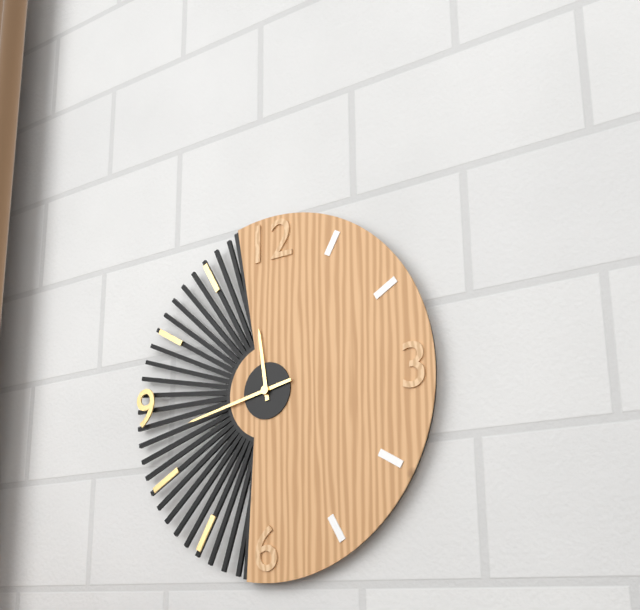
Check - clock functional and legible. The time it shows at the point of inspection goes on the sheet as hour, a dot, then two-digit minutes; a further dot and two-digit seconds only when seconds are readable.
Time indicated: 11.43
